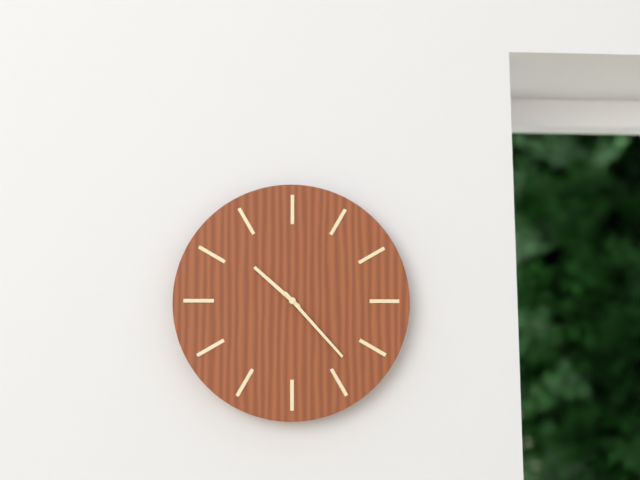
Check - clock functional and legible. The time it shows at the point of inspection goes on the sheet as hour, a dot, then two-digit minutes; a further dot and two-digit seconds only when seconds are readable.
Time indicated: 10.23
